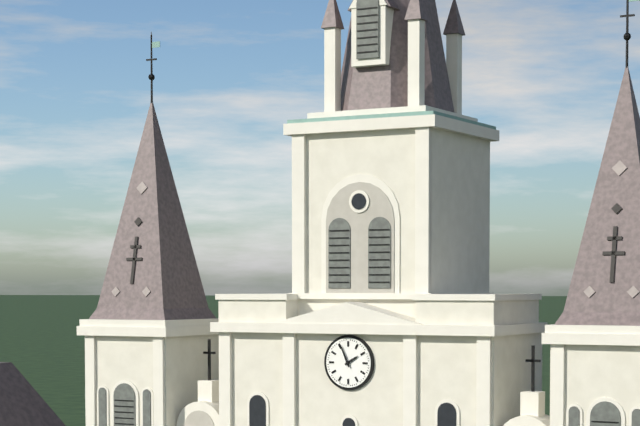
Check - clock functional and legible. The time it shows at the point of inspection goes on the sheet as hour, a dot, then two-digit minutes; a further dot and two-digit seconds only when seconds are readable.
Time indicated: 1.56
